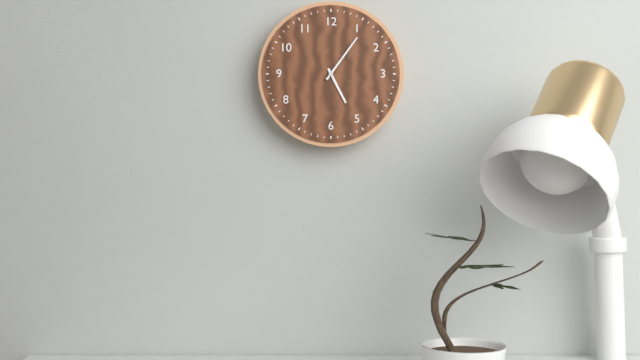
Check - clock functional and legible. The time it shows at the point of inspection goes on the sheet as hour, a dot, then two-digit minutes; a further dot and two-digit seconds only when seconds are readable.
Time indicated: 5.06
